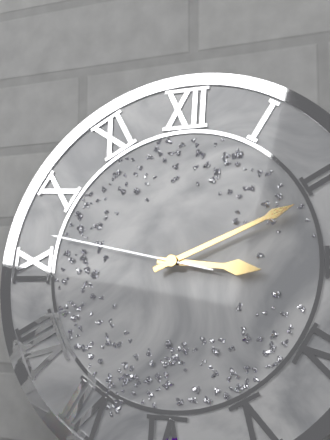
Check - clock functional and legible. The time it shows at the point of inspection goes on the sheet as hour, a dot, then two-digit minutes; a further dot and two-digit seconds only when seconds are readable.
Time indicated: 3.11.47
